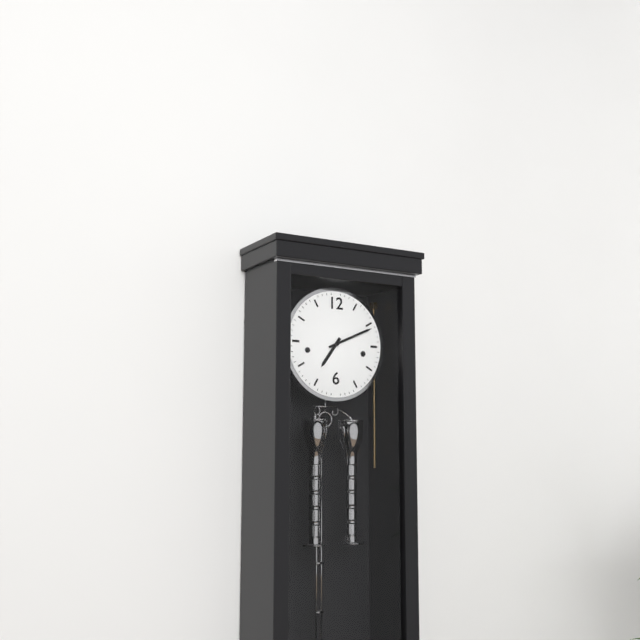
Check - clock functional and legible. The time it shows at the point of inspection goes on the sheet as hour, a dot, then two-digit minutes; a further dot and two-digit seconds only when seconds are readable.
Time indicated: 7.11
